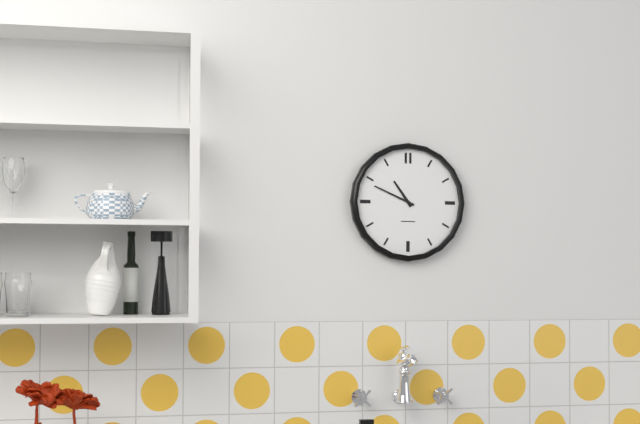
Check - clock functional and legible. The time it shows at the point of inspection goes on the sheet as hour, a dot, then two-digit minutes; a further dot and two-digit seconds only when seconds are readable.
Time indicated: 10.49
